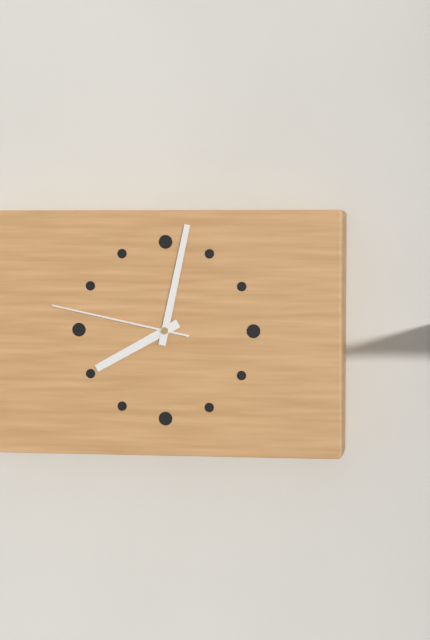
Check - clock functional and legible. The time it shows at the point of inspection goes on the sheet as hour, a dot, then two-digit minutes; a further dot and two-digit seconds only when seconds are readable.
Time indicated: 8.02.47
